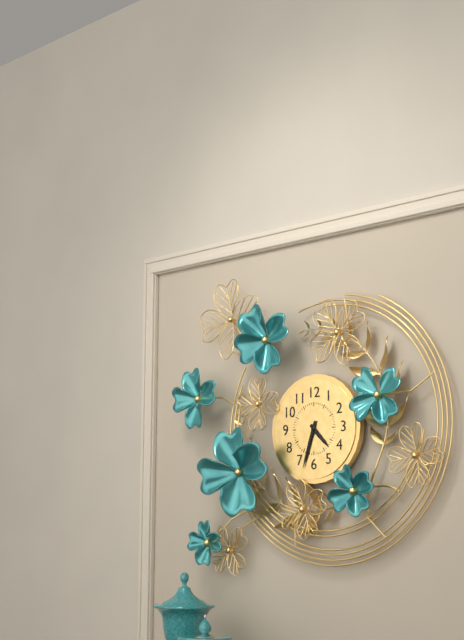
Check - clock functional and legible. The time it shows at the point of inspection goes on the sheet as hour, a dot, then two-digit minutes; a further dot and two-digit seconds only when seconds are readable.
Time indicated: 4.33
